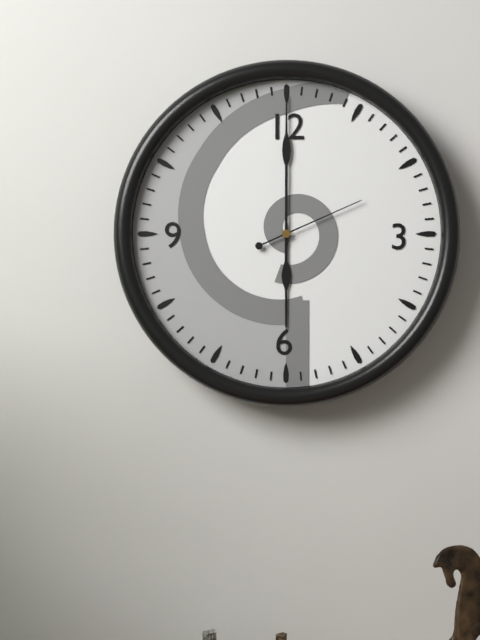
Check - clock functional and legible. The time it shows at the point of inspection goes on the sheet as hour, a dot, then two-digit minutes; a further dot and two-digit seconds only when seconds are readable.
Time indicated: 6.00.11
